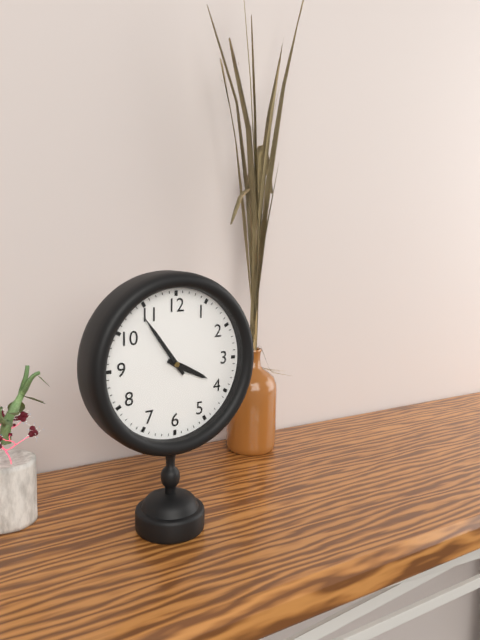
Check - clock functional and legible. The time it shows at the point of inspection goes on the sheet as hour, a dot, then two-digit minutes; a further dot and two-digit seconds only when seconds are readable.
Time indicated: 3.54
